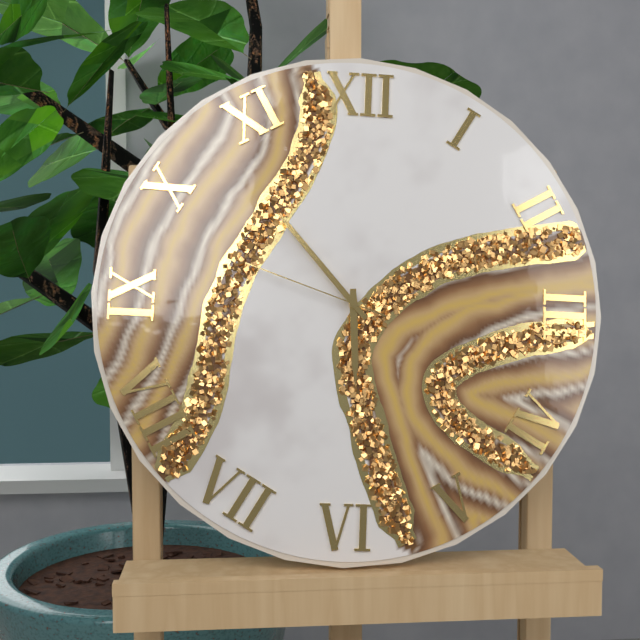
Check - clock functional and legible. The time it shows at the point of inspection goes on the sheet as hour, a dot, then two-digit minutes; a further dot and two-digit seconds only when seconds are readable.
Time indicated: 5.53.48
